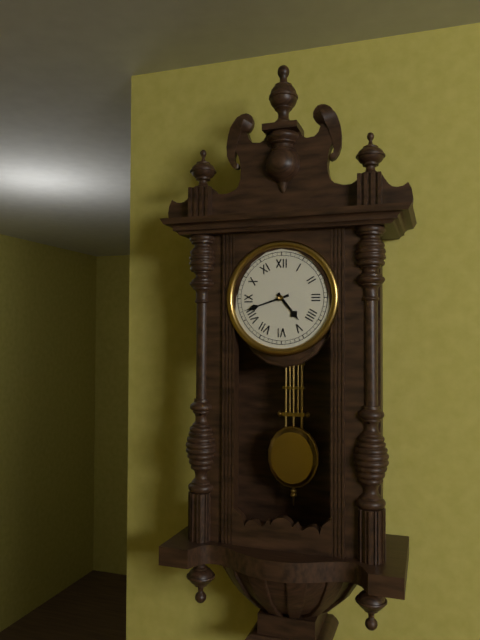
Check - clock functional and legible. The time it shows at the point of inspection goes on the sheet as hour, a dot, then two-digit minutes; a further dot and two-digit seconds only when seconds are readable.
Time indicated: 4.42
